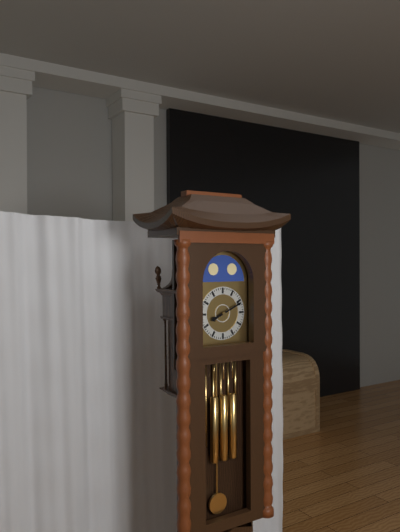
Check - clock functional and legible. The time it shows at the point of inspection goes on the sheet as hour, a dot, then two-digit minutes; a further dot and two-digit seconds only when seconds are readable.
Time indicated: 8.11
